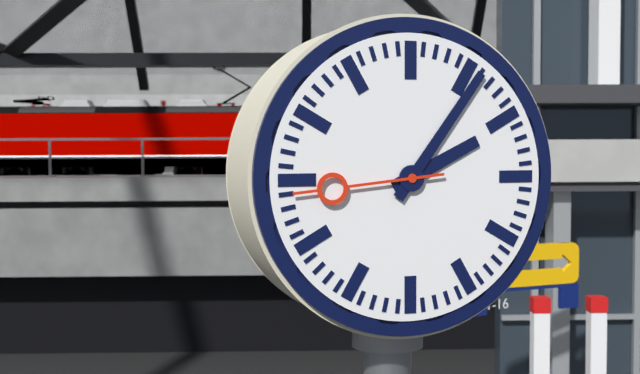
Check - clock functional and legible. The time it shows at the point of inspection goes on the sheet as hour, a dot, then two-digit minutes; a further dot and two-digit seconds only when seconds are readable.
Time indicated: 2.06.44
